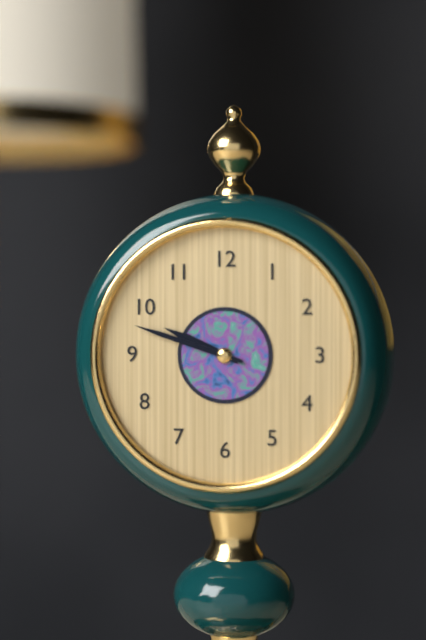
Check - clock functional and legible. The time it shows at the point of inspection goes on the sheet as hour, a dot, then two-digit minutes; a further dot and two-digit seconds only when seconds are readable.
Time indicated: 9.48
